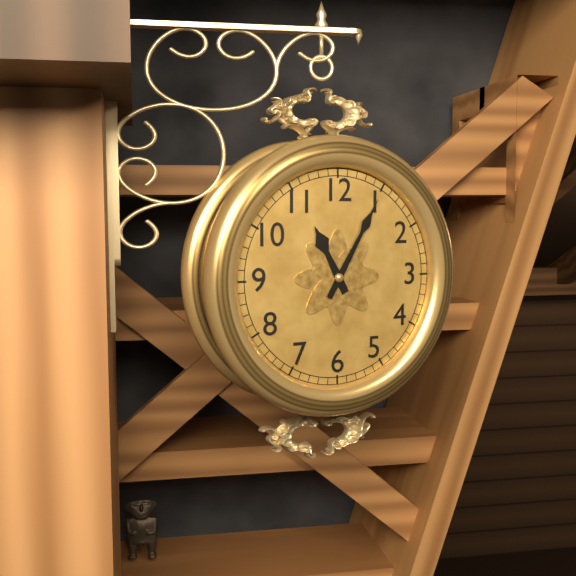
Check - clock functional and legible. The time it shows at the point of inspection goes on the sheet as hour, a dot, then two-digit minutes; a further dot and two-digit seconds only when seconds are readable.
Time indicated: 11.05
